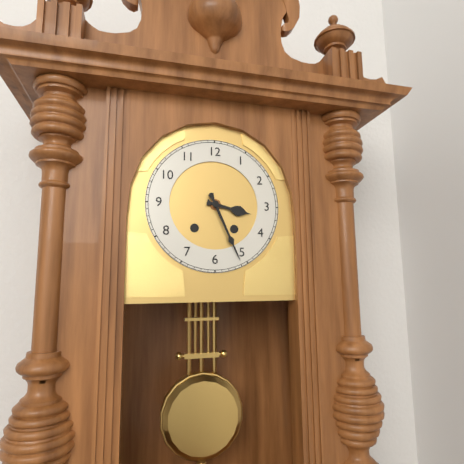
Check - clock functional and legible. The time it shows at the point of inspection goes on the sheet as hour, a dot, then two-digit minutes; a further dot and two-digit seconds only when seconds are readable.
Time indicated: 3.26
